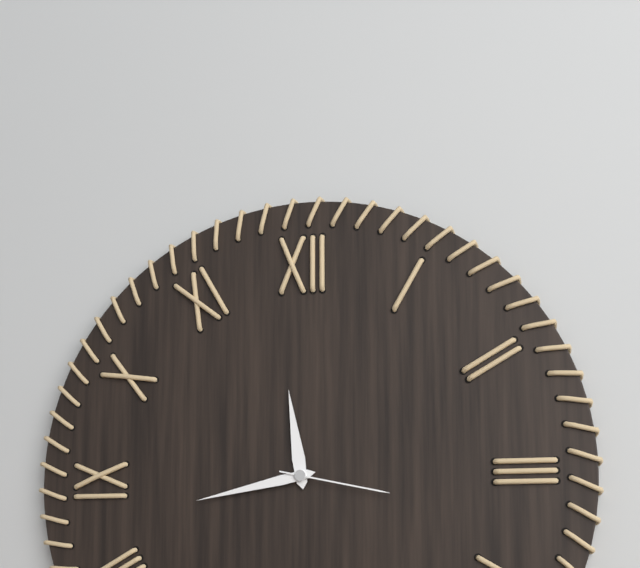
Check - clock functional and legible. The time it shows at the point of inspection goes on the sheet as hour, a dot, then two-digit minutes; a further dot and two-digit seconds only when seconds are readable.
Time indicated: 11.43.17
